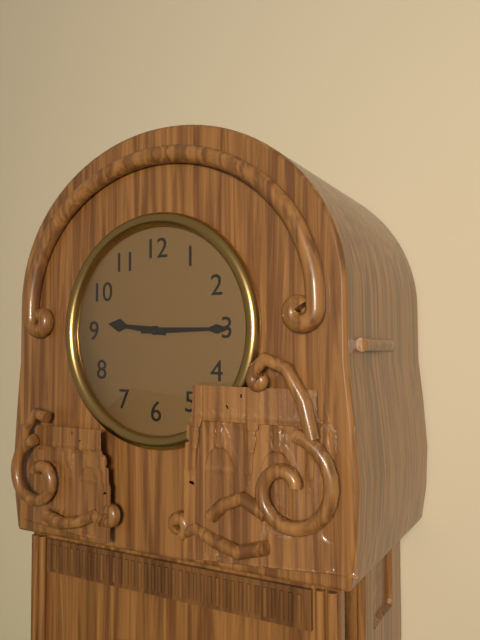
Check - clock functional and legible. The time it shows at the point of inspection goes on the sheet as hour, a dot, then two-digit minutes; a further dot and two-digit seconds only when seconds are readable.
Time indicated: 9.15
